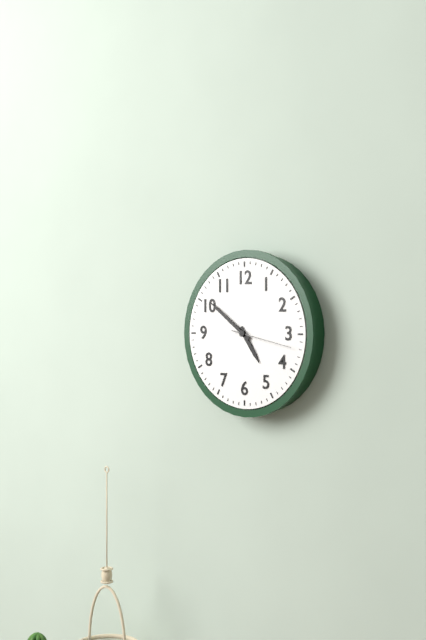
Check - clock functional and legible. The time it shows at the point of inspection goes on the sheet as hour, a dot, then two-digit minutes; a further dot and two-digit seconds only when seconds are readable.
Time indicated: 4.51.17
